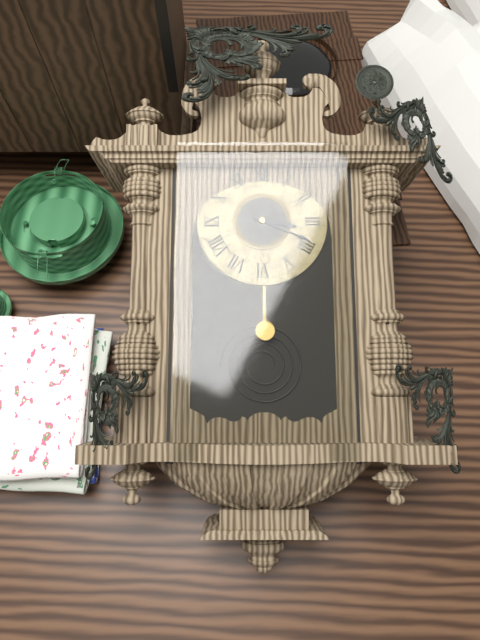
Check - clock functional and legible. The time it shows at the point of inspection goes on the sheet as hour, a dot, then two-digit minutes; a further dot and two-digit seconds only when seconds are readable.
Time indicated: 3.19
